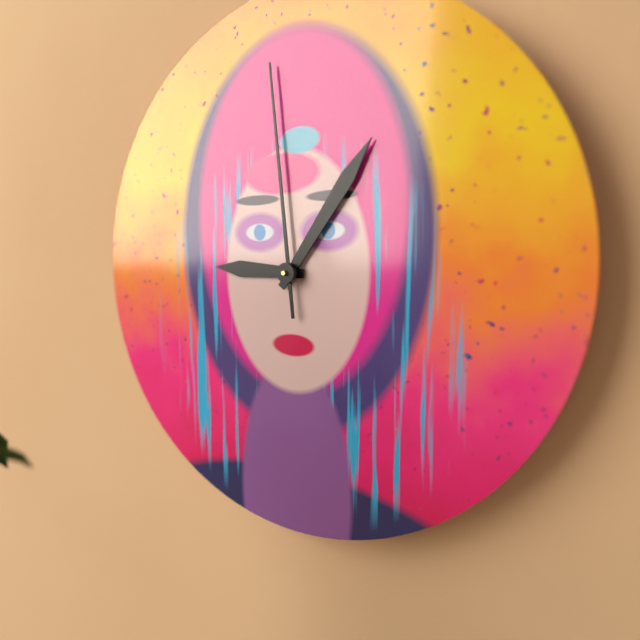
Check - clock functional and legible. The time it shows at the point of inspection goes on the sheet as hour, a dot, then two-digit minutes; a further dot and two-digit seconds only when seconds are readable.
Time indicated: 9.06.59
